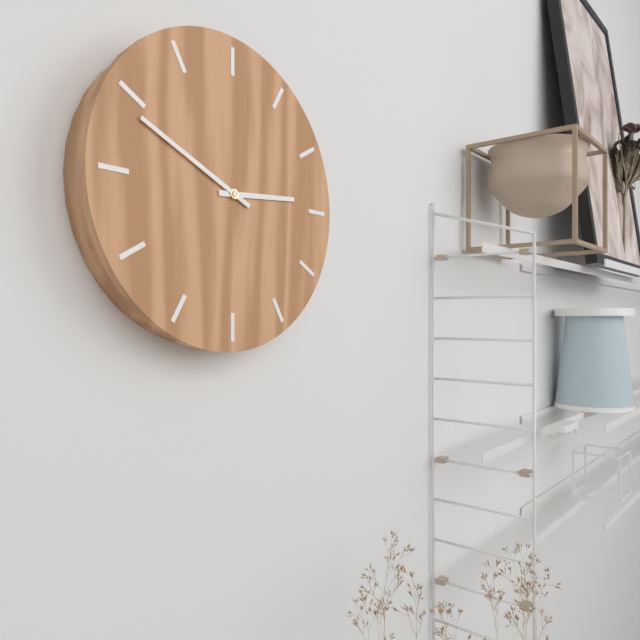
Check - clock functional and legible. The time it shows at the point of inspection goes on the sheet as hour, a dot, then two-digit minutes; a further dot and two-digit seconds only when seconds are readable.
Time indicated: 2.49
